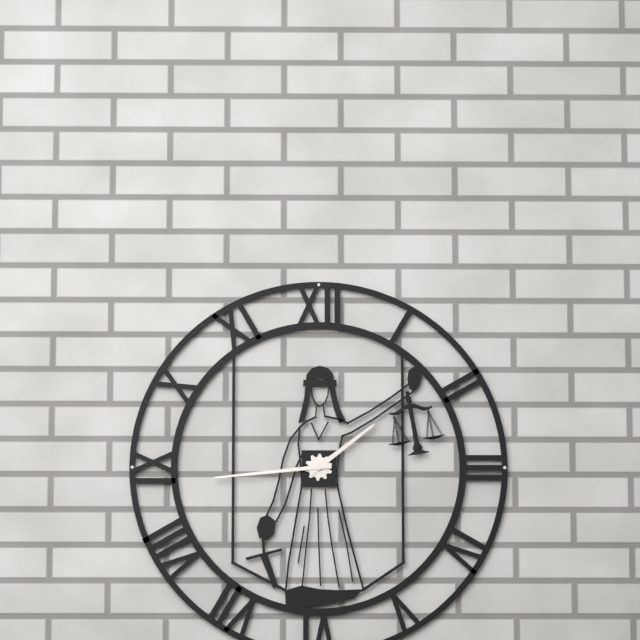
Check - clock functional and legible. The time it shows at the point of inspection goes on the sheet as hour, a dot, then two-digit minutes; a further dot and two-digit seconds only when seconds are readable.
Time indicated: 1.44
